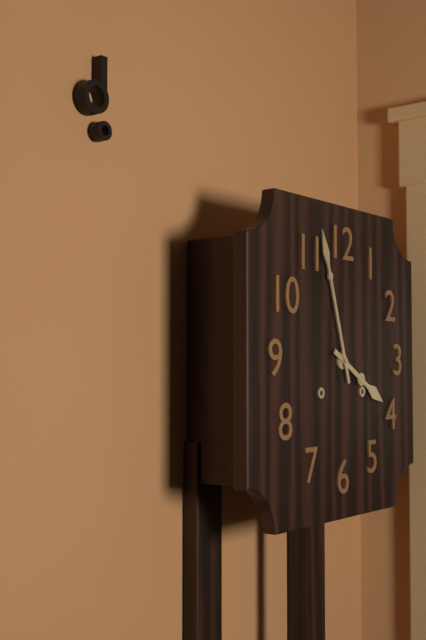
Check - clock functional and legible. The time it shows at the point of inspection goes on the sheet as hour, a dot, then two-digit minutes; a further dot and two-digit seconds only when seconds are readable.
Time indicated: 3.57
